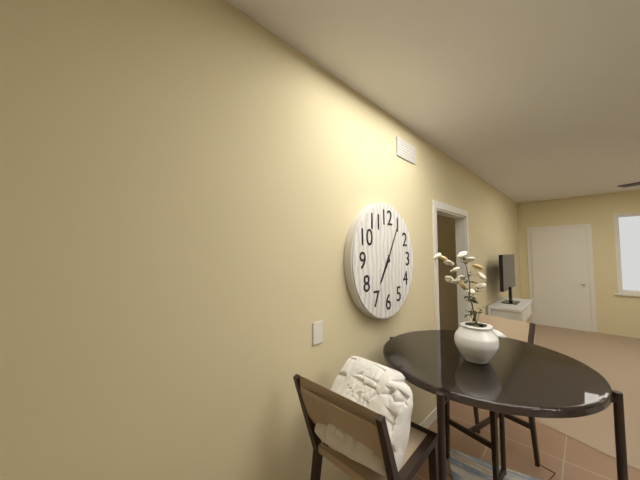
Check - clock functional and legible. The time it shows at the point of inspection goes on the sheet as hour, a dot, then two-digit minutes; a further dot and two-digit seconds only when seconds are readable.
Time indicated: 7.05
